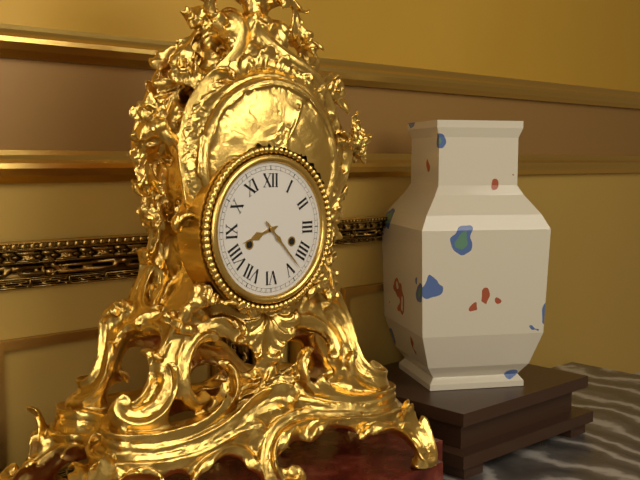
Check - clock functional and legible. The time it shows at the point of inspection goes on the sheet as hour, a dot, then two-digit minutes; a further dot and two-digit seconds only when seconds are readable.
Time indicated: 8.23
